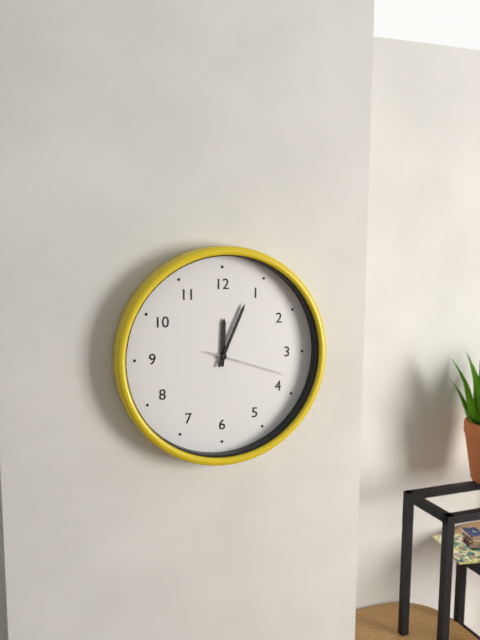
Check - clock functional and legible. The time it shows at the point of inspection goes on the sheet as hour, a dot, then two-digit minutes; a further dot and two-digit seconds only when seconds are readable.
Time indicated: 12.04.18
